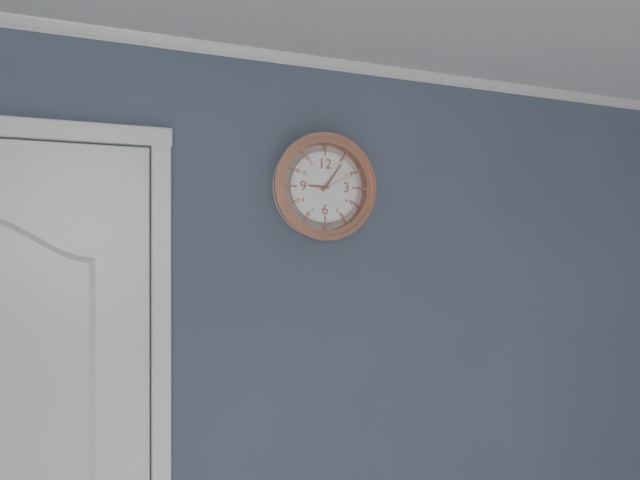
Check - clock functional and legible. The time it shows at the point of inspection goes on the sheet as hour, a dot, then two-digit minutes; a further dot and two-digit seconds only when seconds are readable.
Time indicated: 9.06
